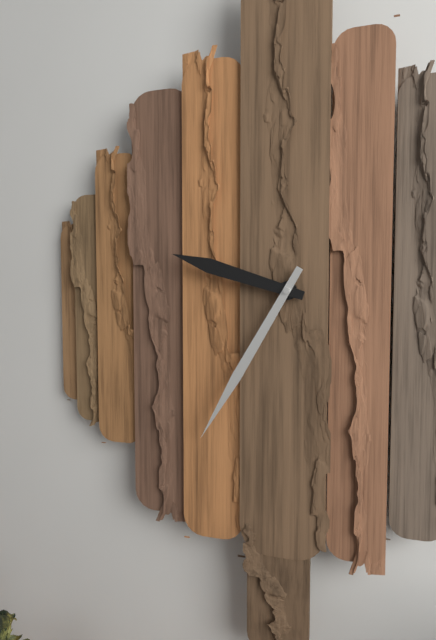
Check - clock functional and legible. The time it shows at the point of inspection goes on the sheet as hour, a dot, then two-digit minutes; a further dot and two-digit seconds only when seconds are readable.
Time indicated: 9.35
